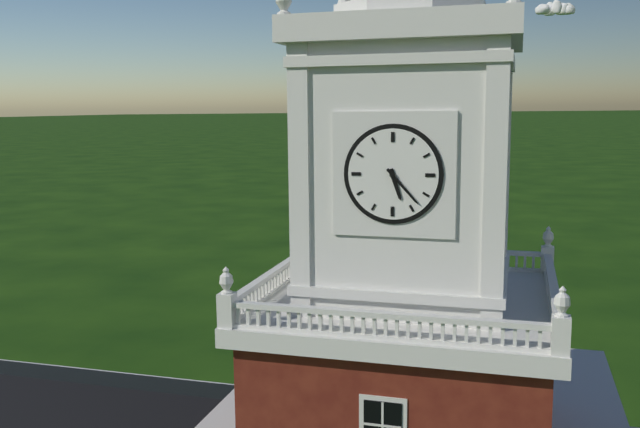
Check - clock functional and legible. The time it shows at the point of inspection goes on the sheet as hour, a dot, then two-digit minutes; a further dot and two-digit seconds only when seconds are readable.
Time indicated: 5.23
